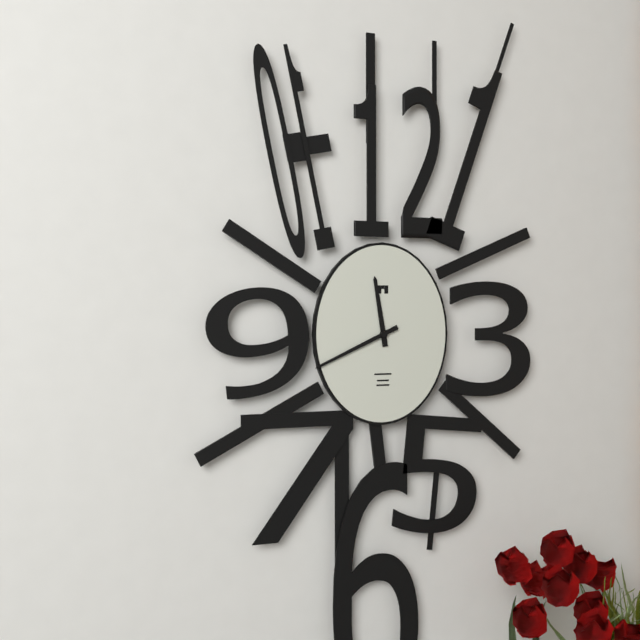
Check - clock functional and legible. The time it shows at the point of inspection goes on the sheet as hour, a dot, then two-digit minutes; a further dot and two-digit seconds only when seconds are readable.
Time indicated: 11.41
